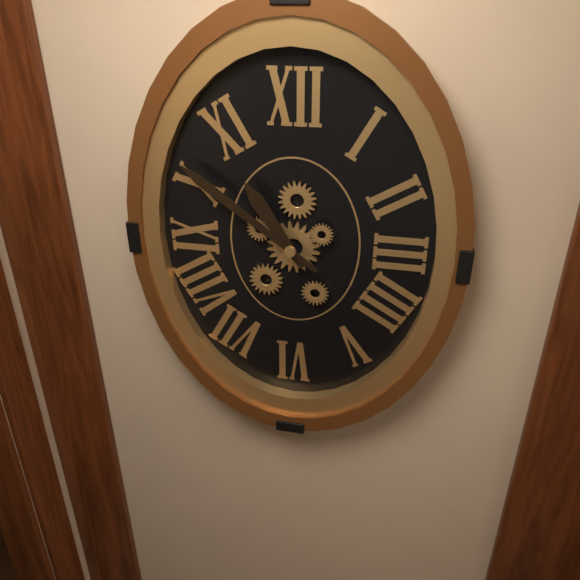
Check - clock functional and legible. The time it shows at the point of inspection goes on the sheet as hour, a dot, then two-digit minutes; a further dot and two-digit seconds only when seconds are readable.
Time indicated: 10.51
